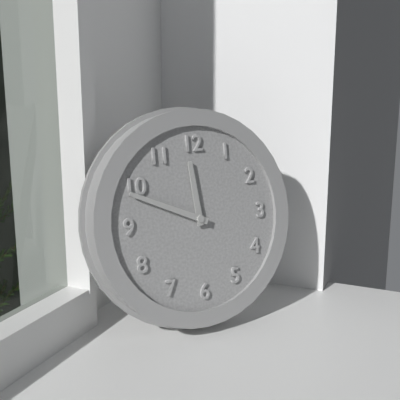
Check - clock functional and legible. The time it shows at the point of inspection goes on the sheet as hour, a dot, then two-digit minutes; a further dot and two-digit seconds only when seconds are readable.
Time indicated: 11.49
